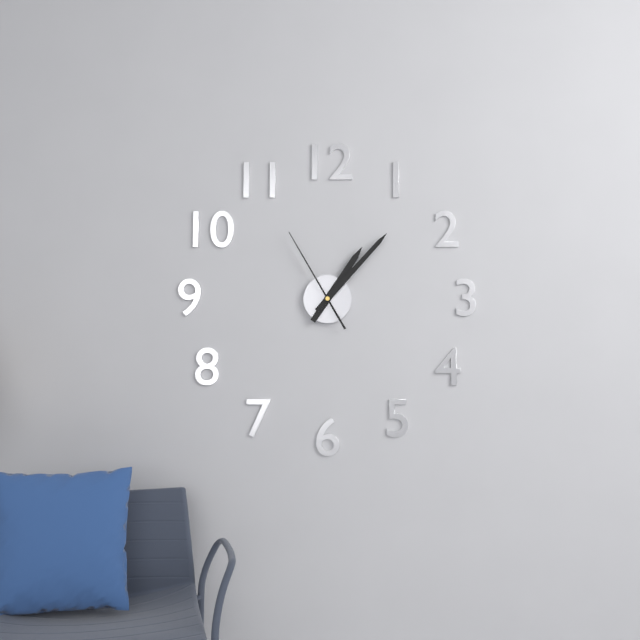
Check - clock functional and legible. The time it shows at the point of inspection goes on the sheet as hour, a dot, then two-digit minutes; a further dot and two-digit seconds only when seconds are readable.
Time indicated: 1.07.55
